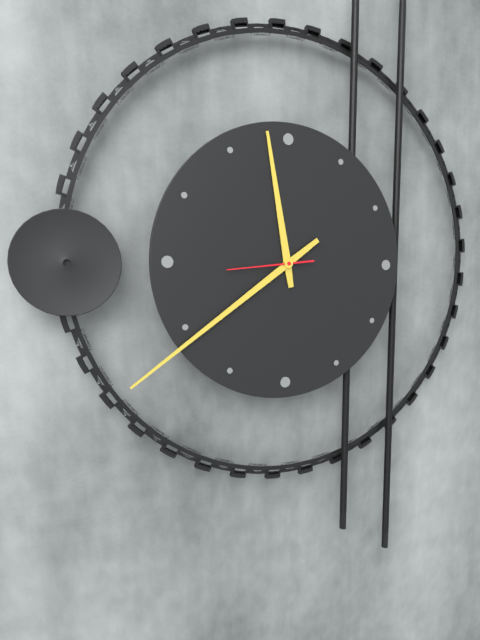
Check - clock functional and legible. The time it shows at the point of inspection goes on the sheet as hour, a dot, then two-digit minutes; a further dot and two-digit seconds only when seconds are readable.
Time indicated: 11.39.44
